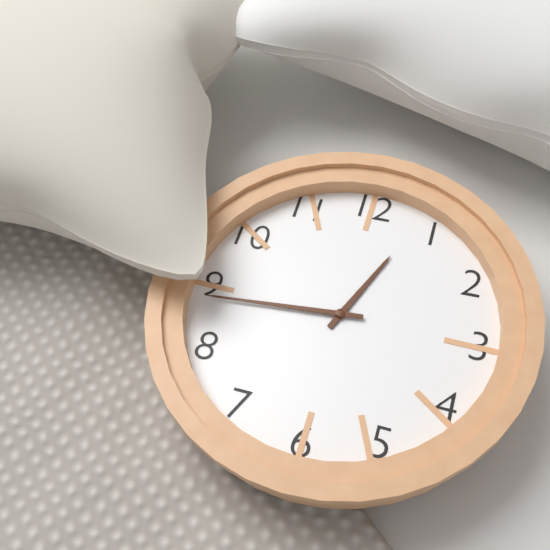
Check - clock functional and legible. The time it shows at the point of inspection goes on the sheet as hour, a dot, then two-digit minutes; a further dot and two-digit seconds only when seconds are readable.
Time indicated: 12.44
